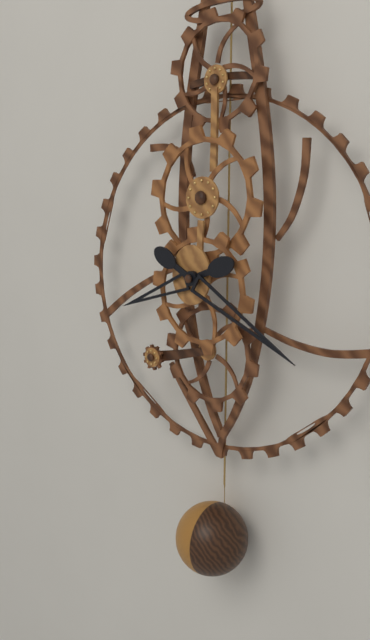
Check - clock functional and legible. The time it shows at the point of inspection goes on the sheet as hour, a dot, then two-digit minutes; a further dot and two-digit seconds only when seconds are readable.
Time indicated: 8.20
